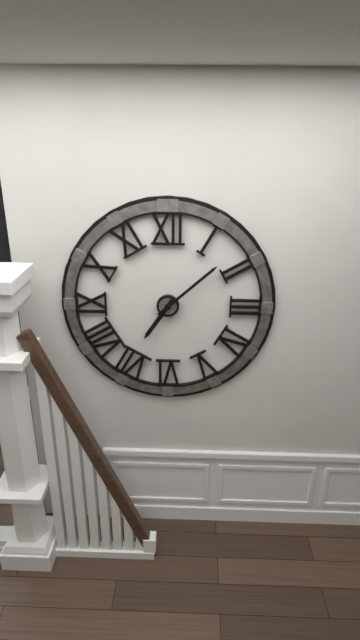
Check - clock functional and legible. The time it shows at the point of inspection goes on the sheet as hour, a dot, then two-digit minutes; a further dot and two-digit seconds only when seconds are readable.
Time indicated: 7.08
